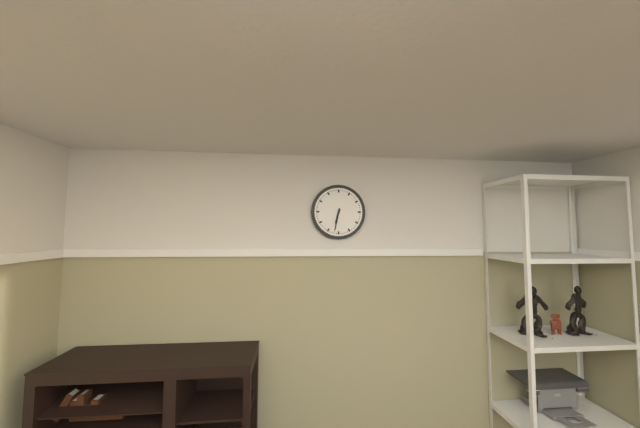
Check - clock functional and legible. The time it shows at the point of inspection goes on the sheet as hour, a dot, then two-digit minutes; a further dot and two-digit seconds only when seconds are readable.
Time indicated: 6.32
